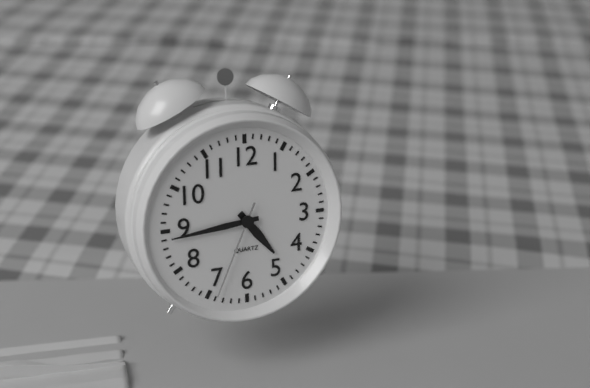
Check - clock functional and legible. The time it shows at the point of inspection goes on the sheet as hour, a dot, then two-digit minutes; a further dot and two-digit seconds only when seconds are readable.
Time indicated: 4.44.34
